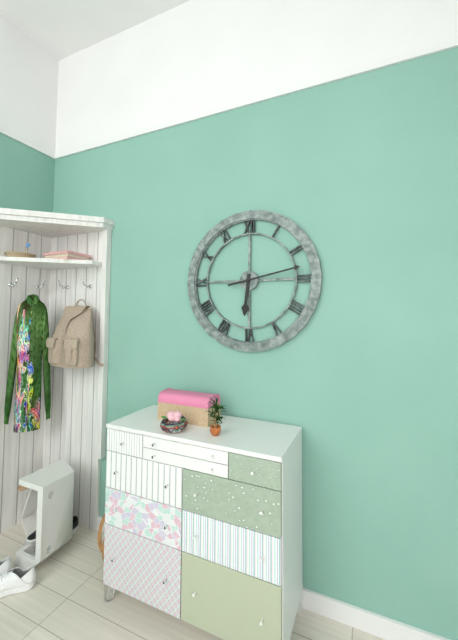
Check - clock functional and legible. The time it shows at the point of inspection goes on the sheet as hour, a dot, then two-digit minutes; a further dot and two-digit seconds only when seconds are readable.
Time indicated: 6.13
